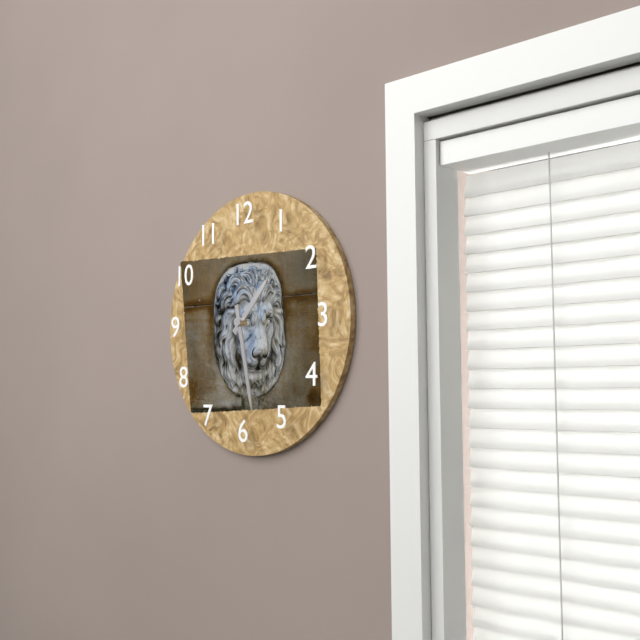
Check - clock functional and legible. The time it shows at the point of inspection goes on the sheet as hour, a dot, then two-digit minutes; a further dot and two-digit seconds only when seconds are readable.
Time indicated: 1.28
